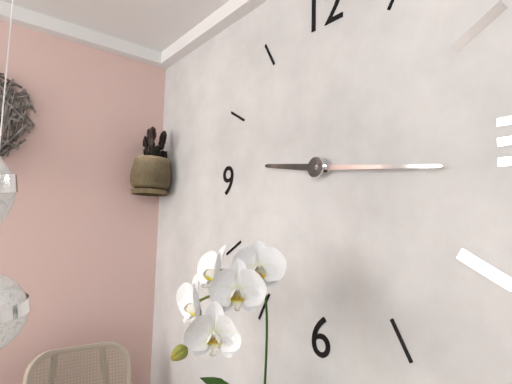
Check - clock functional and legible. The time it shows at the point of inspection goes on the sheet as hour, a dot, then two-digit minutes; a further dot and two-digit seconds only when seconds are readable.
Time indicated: 9.16
